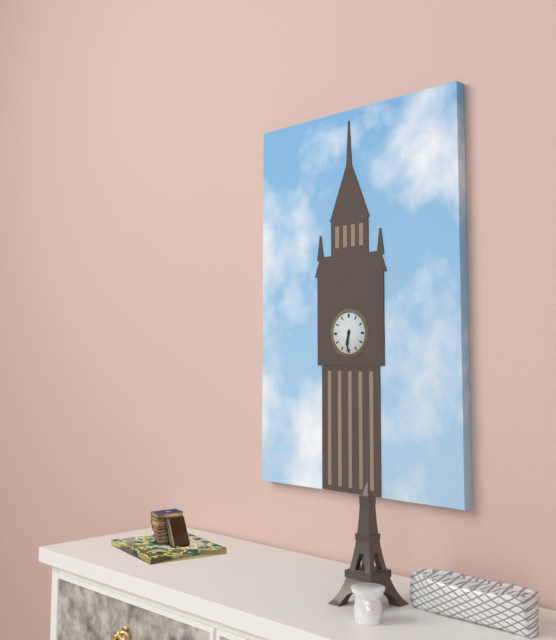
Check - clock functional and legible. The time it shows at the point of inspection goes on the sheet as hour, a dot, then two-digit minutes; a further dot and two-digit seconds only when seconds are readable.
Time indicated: 6.31
